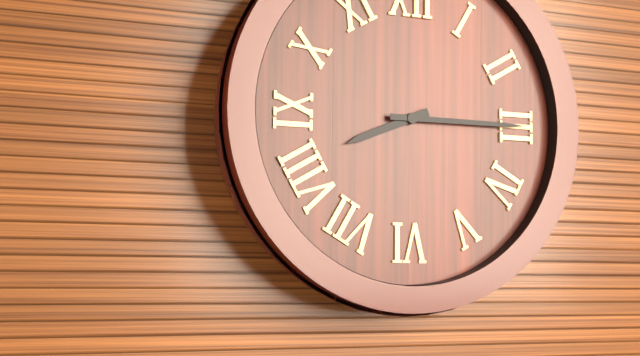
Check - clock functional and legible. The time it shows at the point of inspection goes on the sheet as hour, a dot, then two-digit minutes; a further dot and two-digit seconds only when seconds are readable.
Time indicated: 8.15
